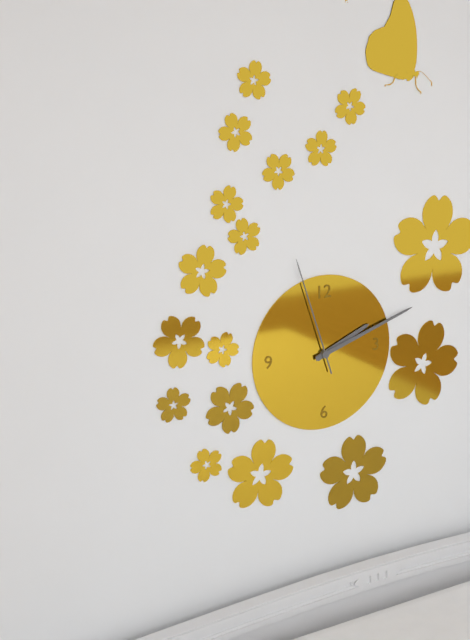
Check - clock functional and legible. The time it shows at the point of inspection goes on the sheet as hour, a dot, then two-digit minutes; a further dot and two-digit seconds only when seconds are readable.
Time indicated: 2.12.57
